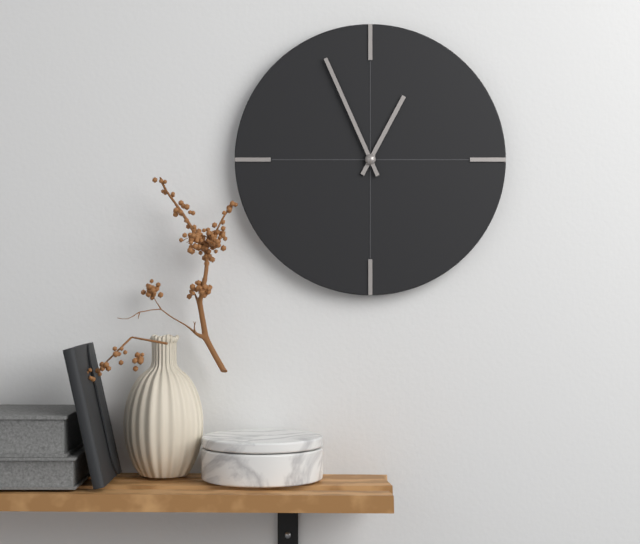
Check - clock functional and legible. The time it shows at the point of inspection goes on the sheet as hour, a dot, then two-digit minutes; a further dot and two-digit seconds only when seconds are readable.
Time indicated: 12.56
